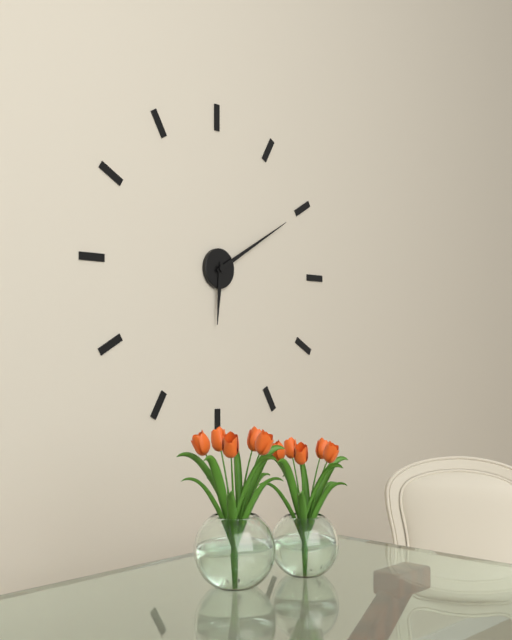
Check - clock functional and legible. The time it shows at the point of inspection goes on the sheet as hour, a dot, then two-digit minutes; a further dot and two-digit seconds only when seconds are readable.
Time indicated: 6.10
